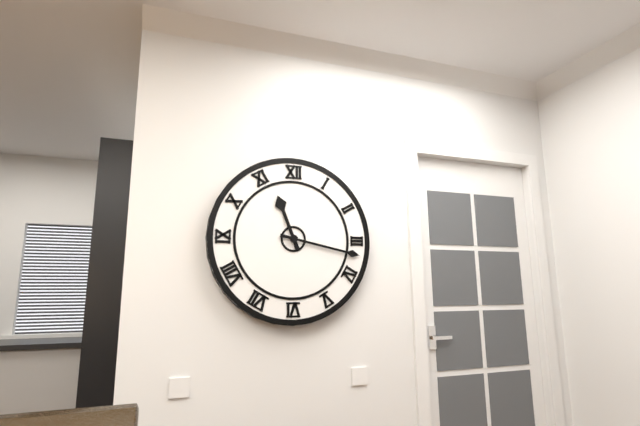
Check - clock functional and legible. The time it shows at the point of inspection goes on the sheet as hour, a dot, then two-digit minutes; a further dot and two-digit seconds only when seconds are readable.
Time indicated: 11.17
